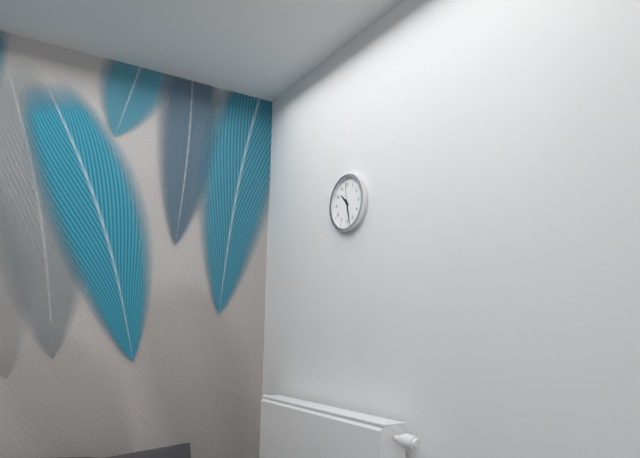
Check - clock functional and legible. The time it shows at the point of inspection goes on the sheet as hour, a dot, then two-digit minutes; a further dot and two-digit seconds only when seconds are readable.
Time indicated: 10.28
